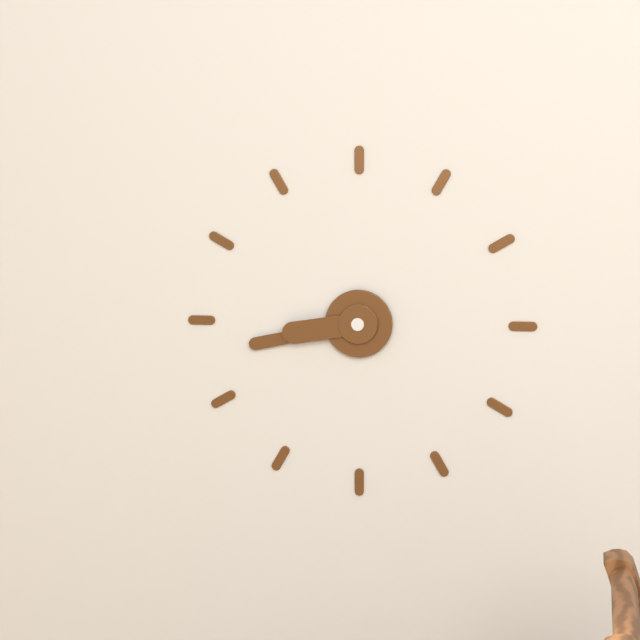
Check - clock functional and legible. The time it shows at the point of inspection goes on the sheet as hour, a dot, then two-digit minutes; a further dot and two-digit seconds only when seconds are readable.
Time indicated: 8.43
